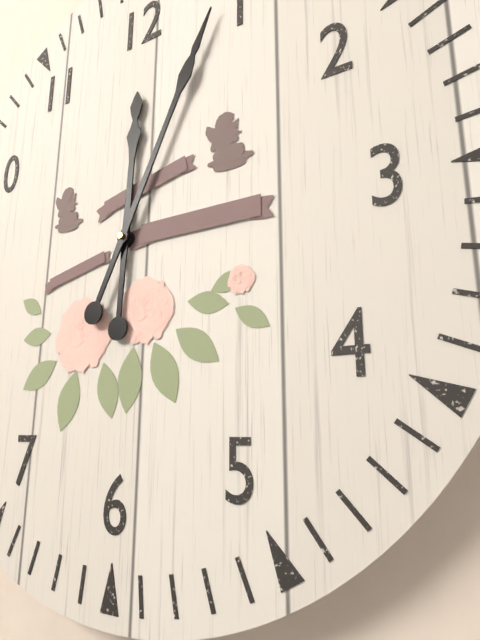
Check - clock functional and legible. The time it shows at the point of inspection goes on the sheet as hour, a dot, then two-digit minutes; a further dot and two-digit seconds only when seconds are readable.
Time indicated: 12.04
